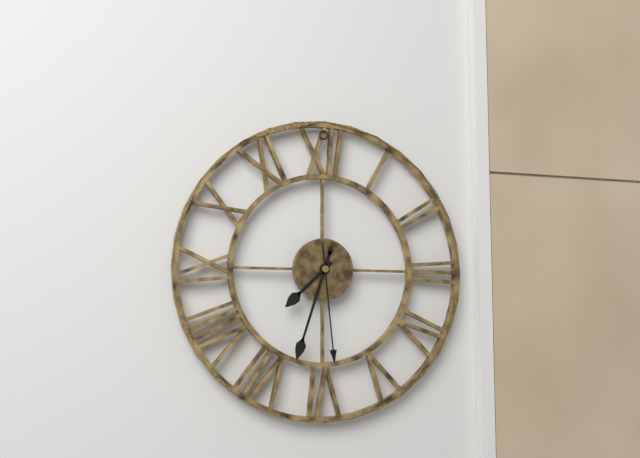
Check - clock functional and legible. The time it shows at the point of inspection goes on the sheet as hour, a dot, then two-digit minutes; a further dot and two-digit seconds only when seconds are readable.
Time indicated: 7.33.29
